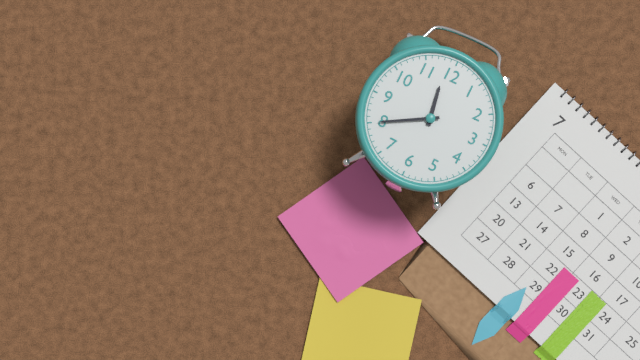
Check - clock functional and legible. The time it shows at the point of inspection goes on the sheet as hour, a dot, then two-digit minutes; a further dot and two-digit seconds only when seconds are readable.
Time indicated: 11.40
